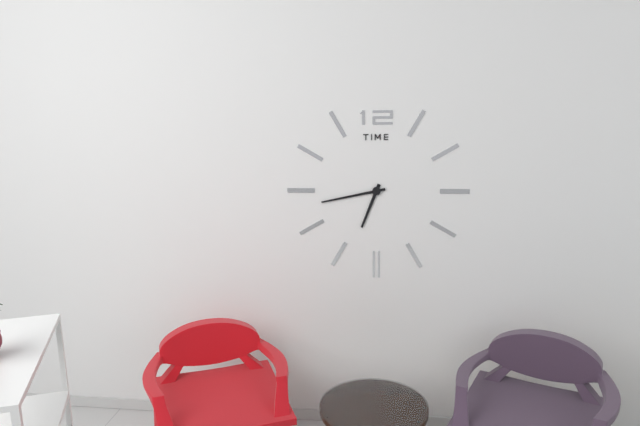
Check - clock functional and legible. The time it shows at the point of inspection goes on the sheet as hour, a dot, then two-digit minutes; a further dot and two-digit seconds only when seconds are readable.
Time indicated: 6.43
